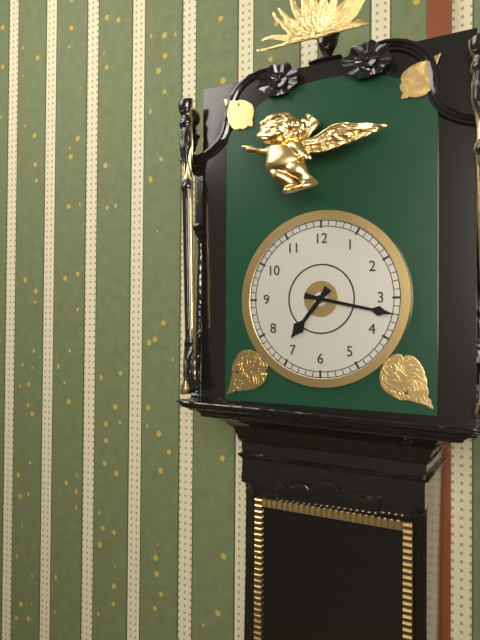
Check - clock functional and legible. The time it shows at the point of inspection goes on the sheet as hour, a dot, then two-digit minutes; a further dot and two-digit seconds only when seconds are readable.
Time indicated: 7.17
